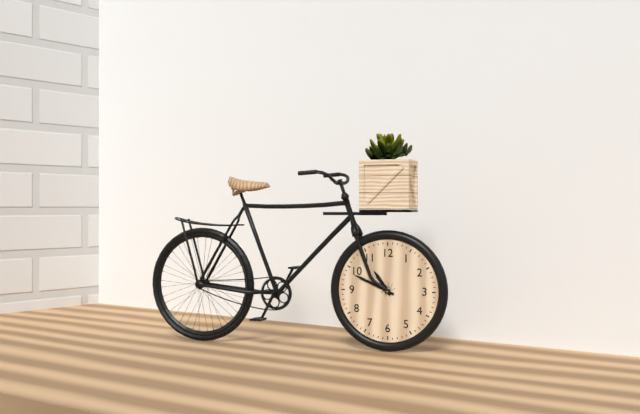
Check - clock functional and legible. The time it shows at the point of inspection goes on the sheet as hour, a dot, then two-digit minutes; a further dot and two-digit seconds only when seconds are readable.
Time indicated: 10.49
